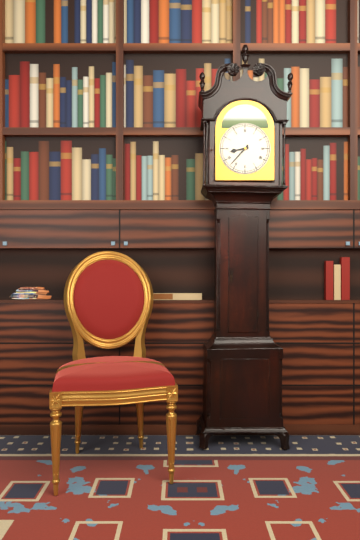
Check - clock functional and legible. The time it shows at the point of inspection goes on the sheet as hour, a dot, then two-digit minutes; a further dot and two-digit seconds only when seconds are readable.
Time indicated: 8.37
